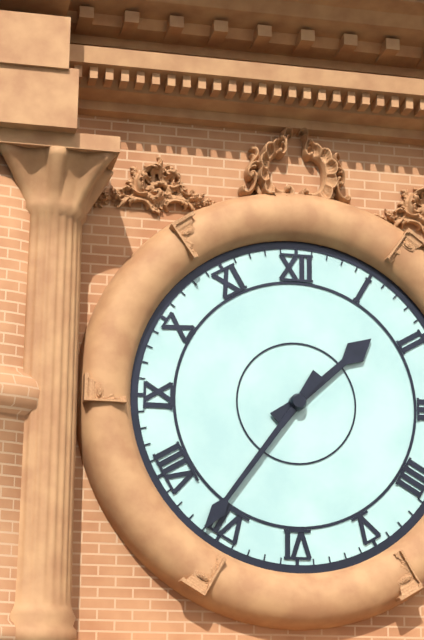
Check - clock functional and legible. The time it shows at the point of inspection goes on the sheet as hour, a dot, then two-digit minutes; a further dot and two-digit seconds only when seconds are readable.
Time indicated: 1.36
